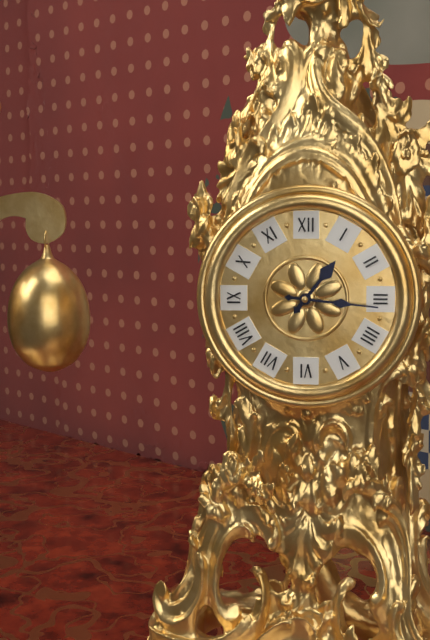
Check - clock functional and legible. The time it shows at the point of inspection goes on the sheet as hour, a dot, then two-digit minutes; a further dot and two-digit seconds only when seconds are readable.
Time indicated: 1.16
